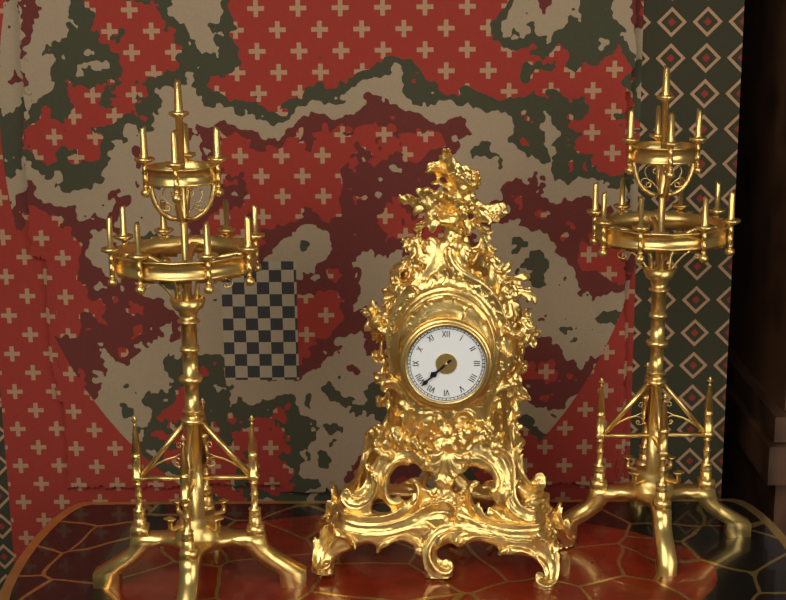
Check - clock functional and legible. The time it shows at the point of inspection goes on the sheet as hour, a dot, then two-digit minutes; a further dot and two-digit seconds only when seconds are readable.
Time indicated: 7.38
